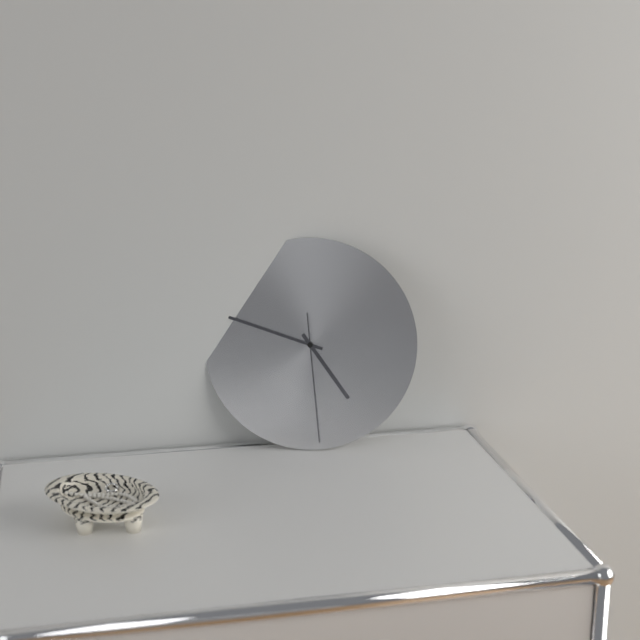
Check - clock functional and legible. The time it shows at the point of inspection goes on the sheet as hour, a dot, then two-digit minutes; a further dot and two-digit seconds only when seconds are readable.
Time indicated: 4.48.29
